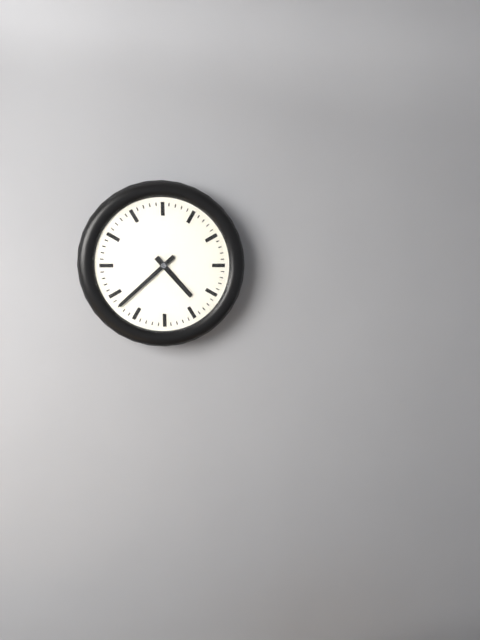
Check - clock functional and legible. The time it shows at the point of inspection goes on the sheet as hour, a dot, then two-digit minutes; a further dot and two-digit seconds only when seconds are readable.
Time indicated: 4.38
